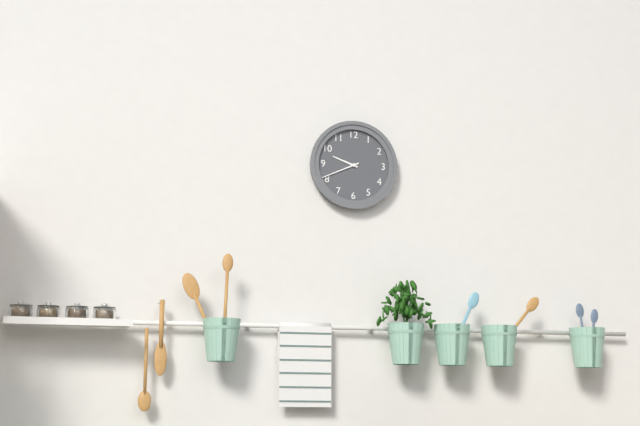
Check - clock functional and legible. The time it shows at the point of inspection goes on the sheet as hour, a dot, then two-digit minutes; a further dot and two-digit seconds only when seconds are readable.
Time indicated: 9.41
